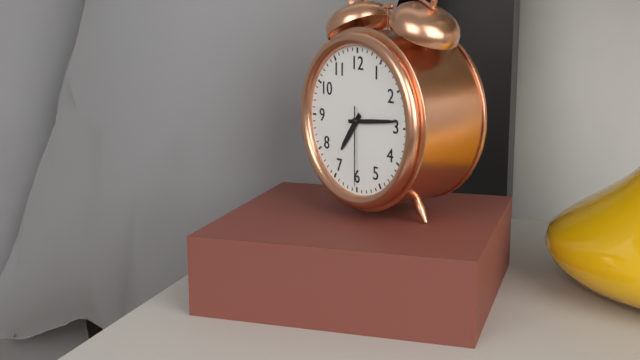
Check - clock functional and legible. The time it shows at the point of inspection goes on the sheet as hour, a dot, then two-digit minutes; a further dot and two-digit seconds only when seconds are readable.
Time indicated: 7.14.30
